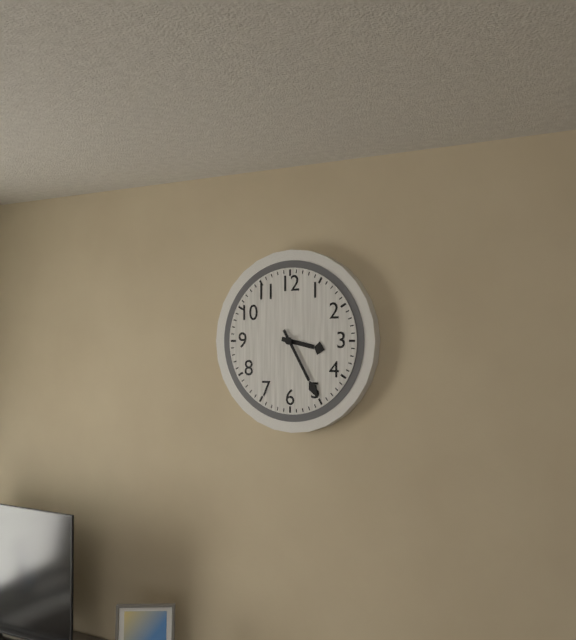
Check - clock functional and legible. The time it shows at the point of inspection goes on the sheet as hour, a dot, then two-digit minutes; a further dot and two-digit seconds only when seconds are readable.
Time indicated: 3.25
